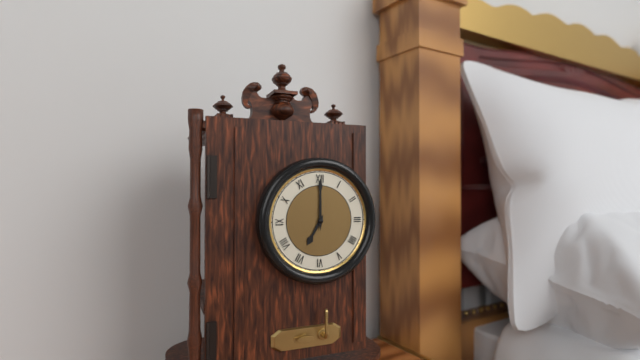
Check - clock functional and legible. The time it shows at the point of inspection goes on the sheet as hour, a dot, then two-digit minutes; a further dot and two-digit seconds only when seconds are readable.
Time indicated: 7.00
